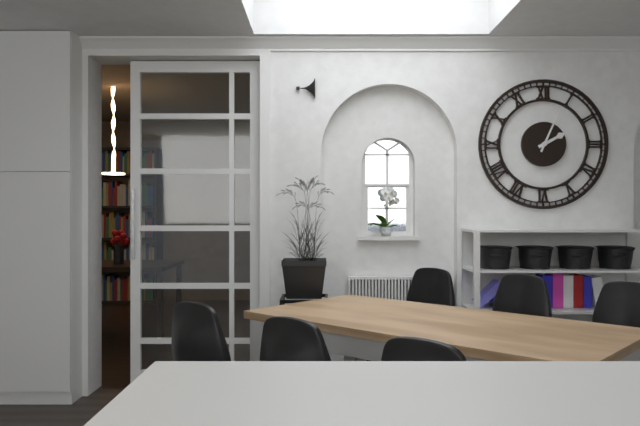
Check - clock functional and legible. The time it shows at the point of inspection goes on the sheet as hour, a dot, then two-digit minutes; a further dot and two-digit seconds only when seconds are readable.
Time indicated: 2.04
